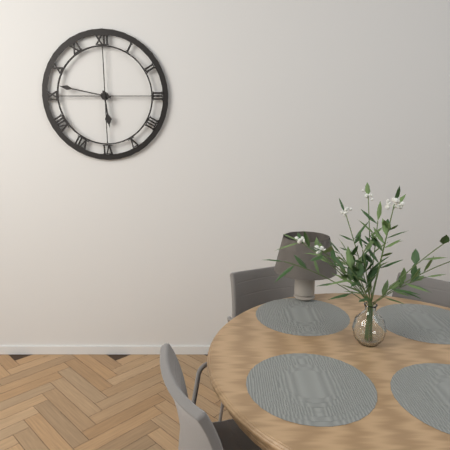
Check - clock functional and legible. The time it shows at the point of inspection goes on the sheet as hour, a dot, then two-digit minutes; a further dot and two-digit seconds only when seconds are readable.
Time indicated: 5.47
